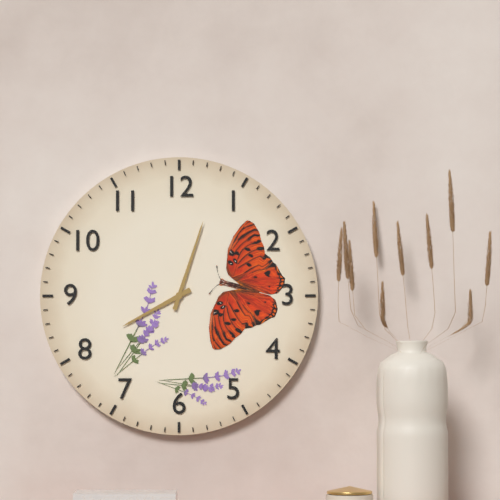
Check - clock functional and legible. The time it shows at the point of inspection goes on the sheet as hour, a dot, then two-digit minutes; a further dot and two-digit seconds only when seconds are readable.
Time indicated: 8.03
